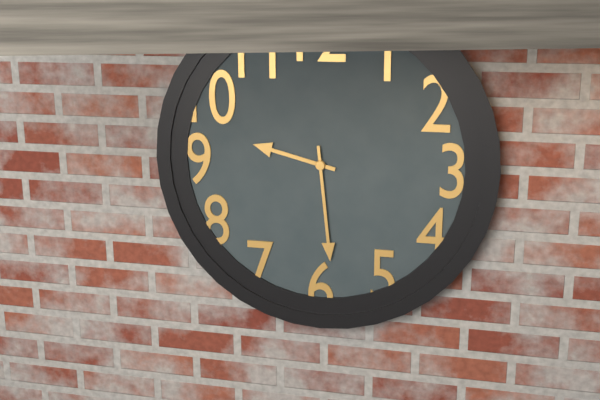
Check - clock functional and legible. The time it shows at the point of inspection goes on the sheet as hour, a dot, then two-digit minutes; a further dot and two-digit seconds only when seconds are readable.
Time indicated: 9.29
